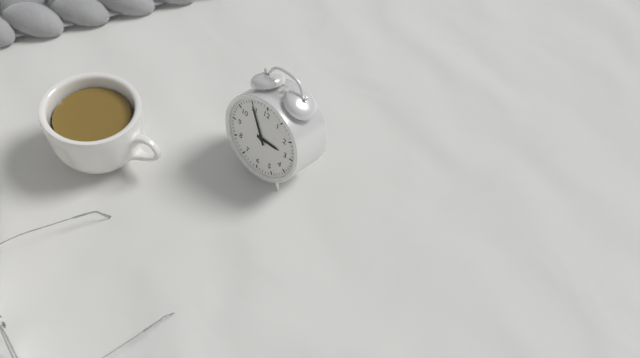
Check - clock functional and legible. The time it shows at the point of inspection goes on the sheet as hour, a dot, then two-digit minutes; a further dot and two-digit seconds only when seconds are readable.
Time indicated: 2.55
